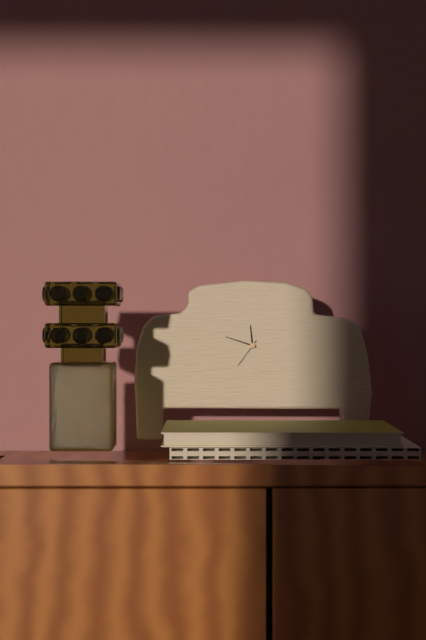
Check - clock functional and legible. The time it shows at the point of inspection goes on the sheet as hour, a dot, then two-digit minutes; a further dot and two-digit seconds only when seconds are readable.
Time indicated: 11.48
